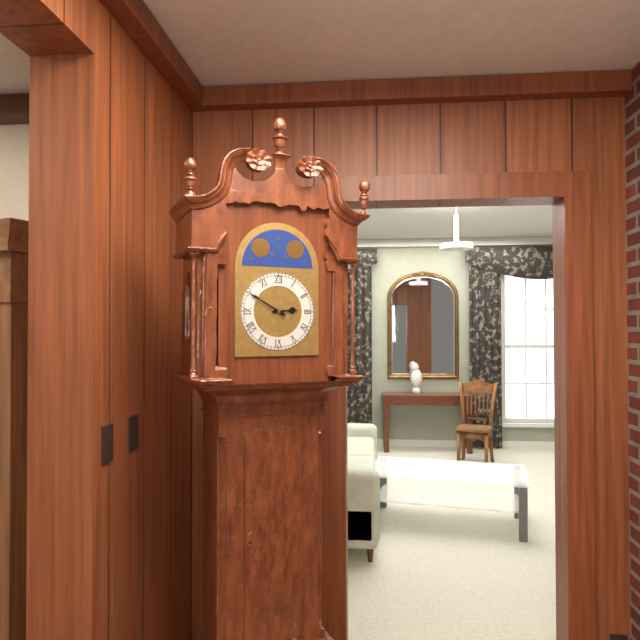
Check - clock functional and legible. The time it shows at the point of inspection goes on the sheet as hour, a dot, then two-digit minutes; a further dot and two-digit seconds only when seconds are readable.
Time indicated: 2.50
